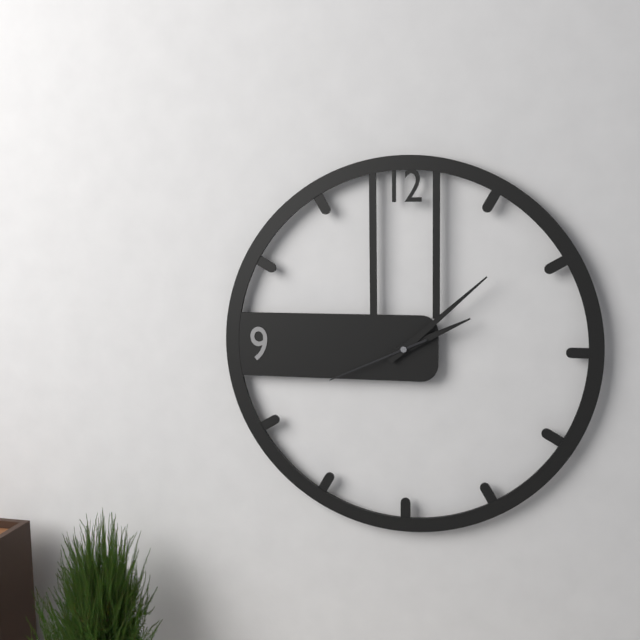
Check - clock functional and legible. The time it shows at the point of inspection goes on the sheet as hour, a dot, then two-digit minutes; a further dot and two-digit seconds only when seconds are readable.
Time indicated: 2.08.41
